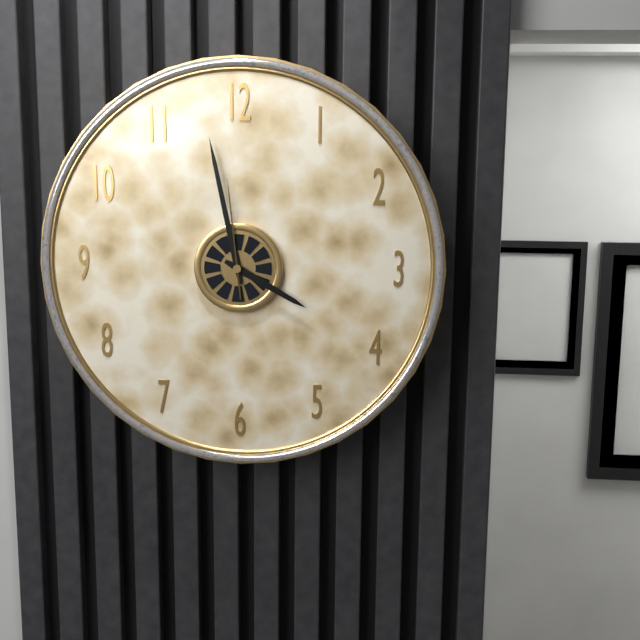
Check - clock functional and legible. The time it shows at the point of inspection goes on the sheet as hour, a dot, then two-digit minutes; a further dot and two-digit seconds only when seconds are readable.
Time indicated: 3.58.59
